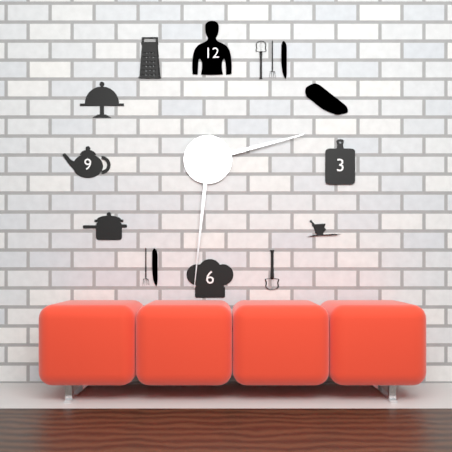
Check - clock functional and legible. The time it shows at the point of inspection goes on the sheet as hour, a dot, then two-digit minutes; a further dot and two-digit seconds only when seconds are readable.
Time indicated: 2.31
